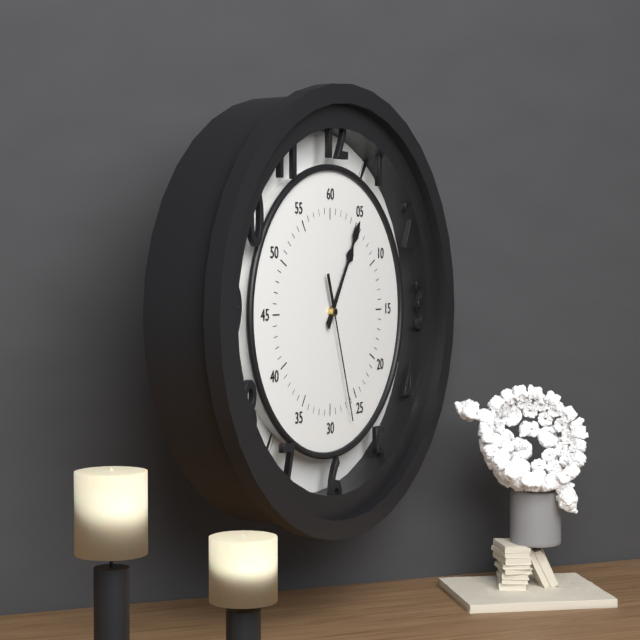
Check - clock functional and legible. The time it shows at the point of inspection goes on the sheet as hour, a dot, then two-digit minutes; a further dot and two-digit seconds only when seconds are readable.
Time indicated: 1.05.27
